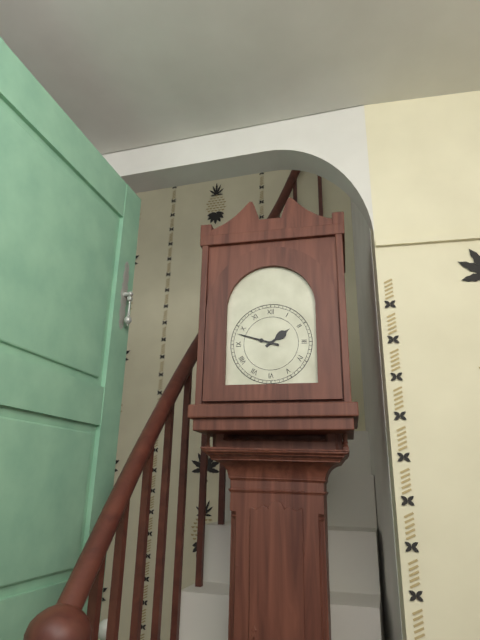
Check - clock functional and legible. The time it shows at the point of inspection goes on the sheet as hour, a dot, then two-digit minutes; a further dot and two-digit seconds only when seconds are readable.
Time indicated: 1.48
